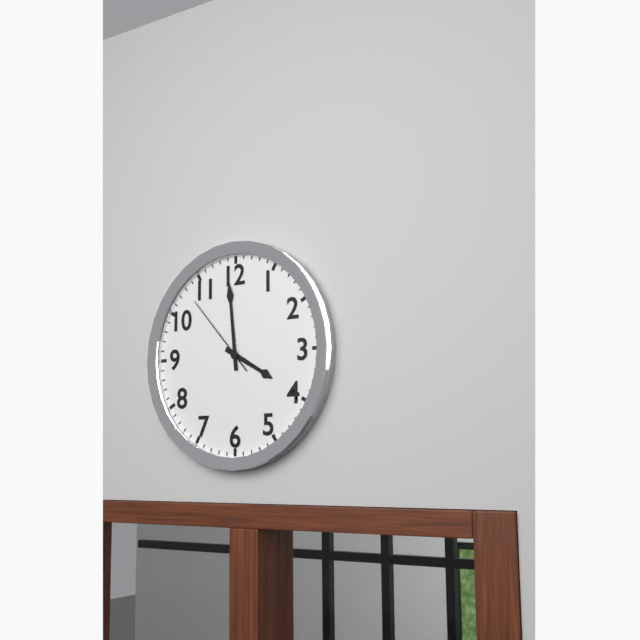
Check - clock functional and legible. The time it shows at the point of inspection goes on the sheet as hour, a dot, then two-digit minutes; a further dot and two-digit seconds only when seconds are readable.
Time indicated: 3.59.53
